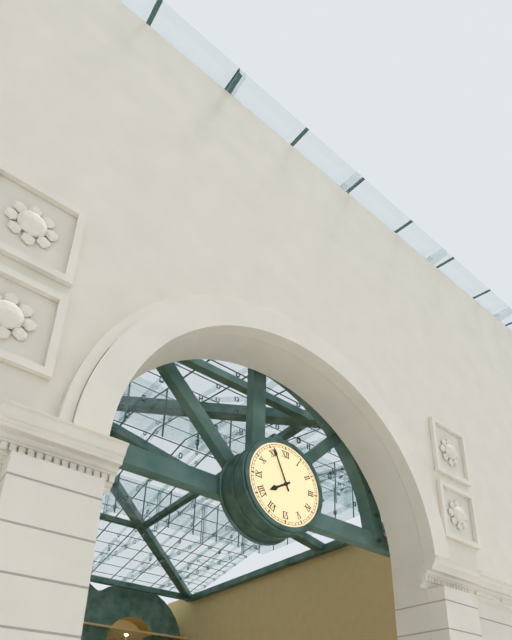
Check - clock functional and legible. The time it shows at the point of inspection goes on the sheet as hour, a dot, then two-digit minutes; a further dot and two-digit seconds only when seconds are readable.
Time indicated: 7.56
